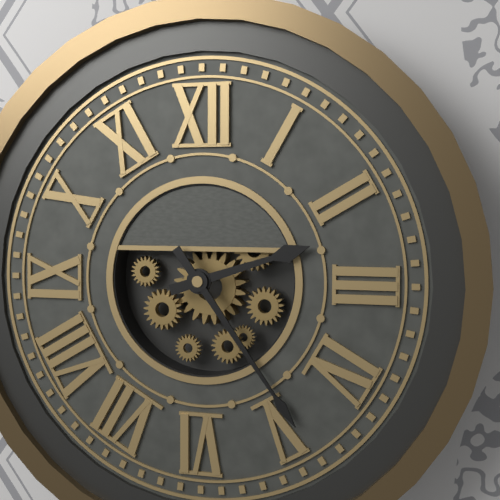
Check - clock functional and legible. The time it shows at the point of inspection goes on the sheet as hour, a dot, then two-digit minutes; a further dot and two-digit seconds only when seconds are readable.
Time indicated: 2.24
